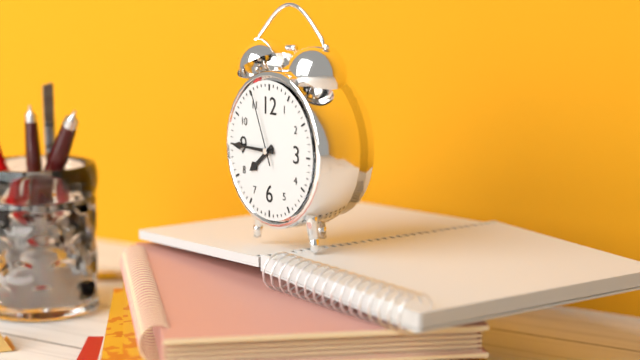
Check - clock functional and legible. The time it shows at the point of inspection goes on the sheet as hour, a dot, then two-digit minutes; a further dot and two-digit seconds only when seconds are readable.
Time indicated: 7.45.56
